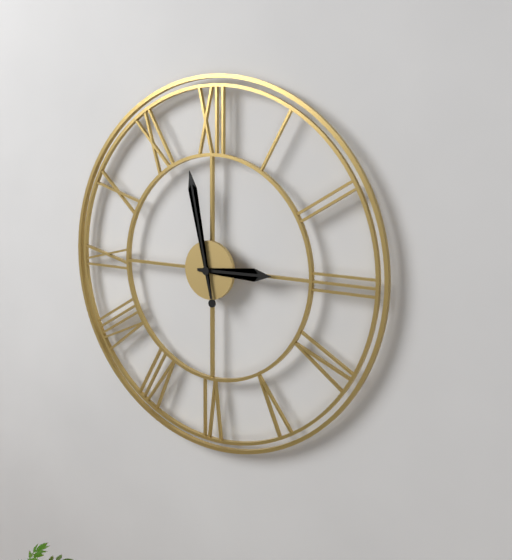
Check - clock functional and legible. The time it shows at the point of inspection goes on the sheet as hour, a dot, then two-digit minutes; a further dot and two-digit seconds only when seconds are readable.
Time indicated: 2.58
